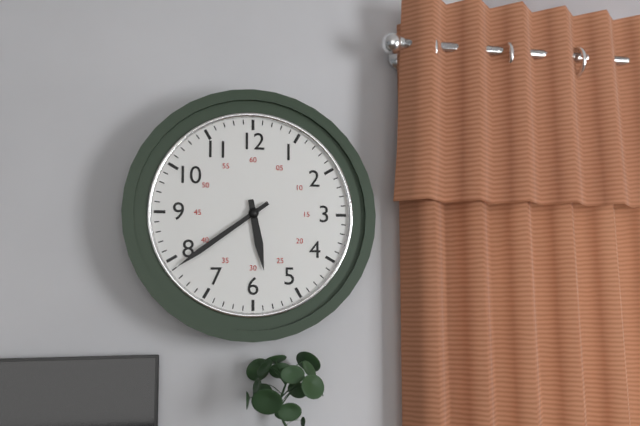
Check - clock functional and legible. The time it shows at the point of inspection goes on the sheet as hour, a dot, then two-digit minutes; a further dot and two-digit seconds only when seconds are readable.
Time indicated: 5.39
